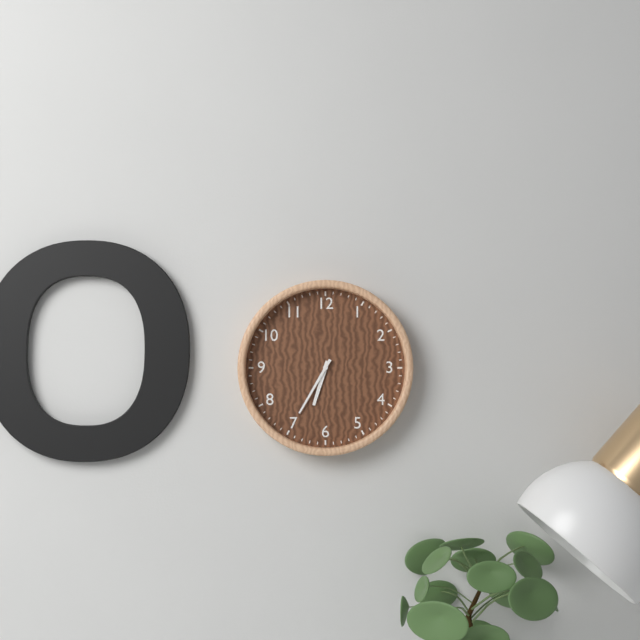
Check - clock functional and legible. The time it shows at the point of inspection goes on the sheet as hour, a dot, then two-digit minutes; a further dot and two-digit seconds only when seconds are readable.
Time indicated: 6.35
